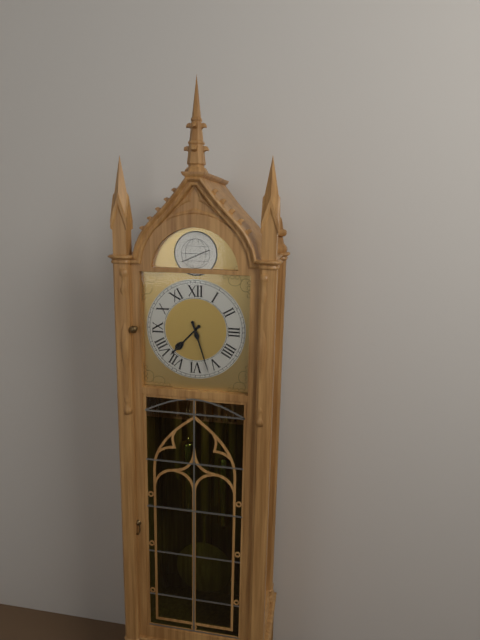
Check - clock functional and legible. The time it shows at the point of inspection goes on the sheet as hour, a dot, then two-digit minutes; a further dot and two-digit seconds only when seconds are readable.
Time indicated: 7.27
